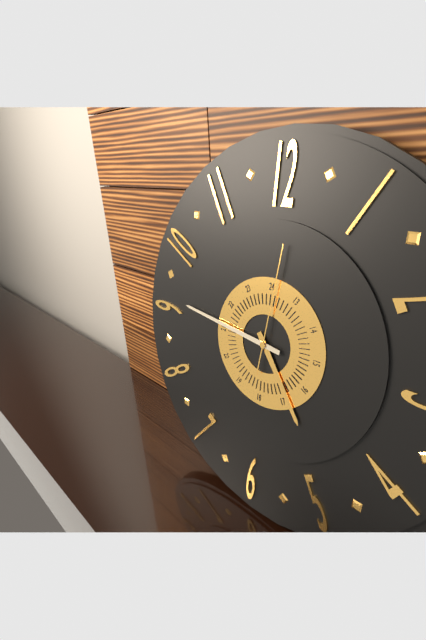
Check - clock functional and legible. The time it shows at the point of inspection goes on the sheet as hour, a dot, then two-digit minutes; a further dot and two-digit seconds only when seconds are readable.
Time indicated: 4.46.01
